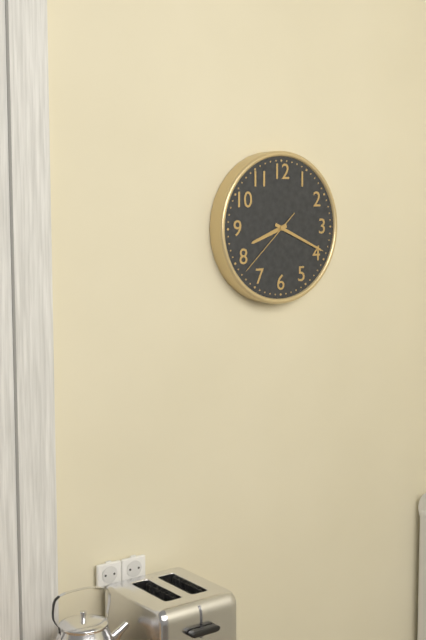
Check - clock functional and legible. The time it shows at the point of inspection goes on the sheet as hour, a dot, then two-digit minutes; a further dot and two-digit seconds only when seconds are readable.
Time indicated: 8.19.38
